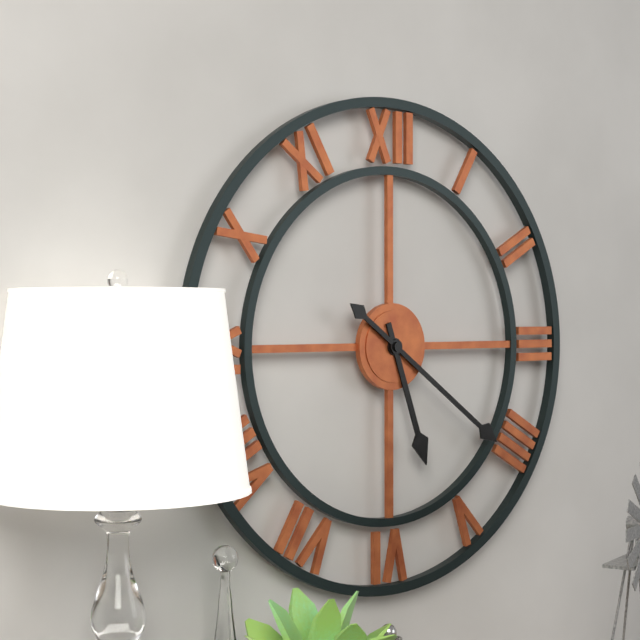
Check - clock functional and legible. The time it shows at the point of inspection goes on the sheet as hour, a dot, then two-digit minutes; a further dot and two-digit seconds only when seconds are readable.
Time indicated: 5.21
